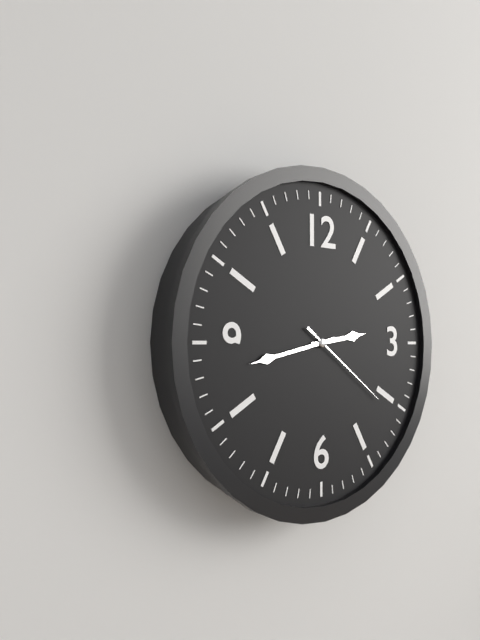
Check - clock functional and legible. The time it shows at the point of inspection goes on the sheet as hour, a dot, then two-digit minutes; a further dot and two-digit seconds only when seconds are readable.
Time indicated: 2.43.21
